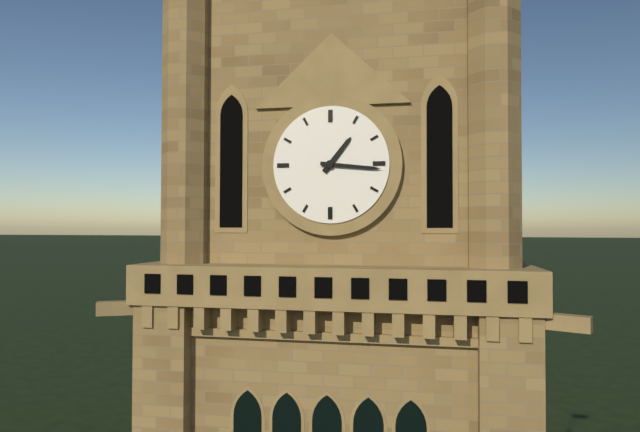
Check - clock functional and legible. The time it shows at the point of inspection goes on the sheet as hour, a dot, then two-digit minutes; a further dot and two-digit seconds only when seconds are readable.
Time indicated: 1.16
